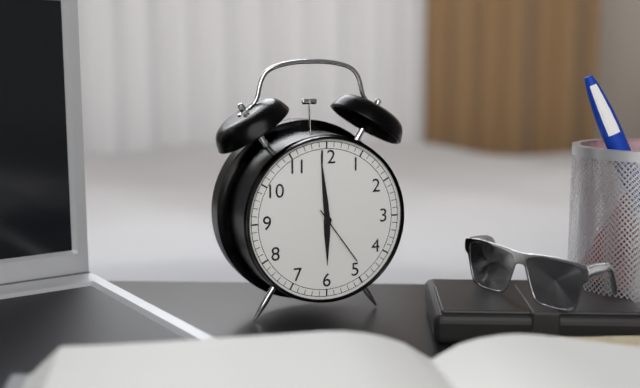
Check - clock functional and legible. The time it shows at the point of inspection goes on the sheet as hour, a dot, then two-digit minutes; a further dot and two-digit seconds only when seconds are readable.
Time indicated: 5.59.24
